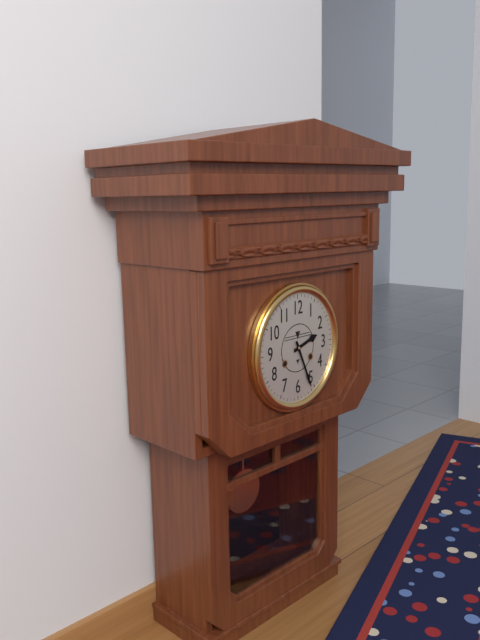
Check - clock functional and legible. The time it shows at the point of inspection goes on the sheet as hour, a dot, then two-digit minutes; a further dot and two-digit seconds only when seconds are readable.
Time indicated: 2.26
